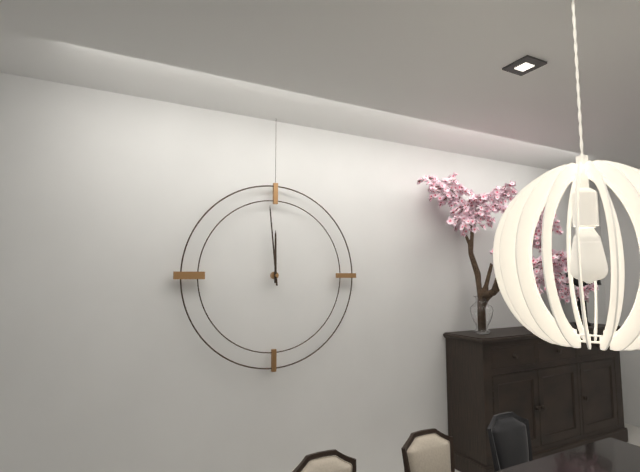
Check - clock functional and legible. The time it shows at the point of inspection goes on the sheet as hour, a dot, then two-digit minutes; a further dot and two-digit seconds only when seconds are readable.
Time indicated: 11.59
